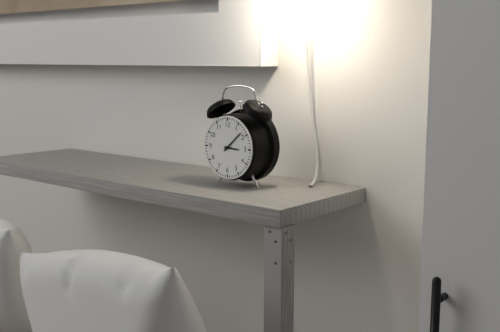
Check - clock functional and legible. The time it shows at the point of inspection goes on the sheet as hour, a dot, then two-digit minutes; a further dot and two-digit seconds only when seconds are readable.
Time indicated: 3.08
